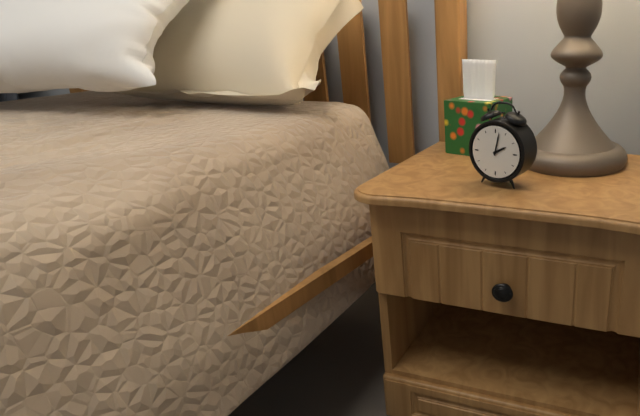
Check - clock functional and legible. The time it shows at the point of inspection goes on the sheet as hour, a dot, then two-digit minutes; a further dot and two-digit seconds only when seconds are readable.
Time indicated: 2.02
